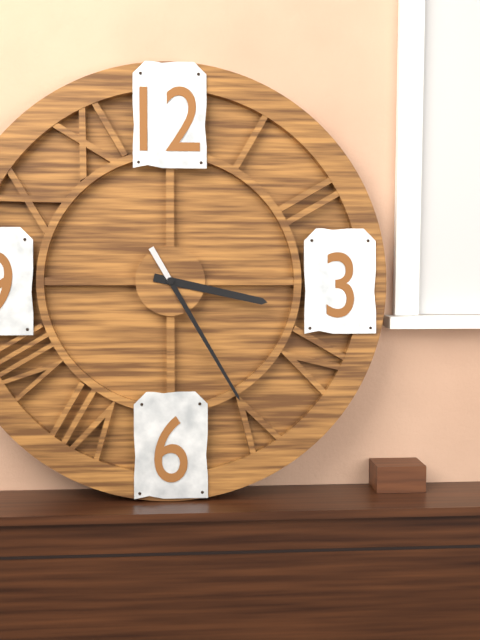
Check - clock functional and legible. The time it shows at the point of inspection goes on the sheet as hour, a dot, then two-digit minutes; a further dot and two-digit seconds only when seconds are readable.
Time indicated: 3.25
